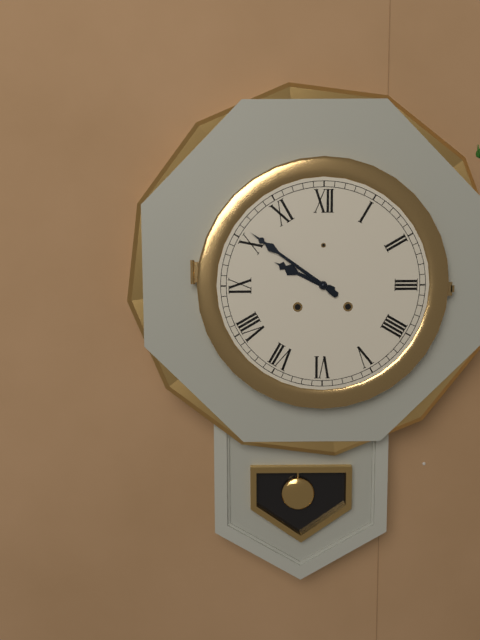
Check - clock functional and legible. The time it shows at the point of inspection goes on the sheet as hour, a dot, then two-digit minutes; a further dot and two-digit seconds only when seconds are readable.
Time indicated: 9.51
